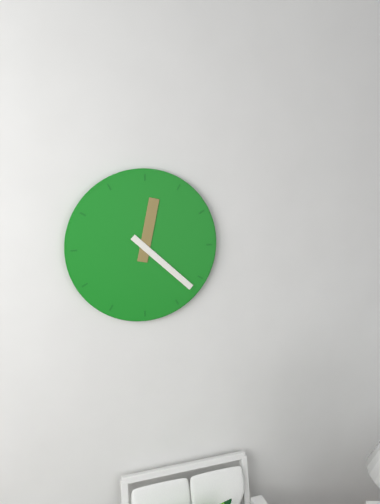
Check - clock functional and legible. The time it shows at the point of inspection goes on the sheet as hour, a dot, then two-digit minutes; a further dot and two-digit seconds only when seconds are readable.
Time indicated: 12.22
